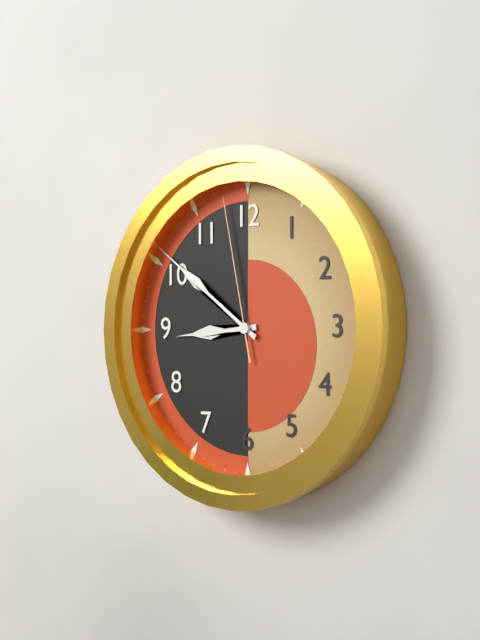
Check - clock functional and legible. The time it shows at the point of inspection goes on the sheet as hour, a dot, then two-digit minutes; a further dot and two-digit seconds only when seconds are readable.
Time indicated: 8.51.58
